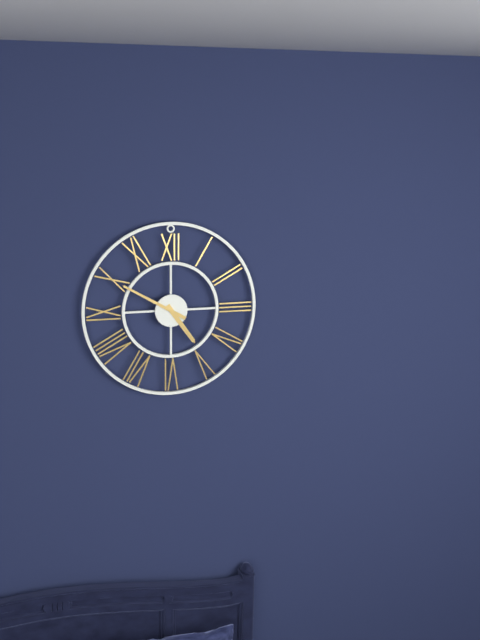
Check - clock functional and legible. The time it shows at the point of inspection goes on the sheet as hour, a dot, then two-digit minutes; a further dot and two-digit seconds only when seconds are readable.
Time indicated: 4.50
